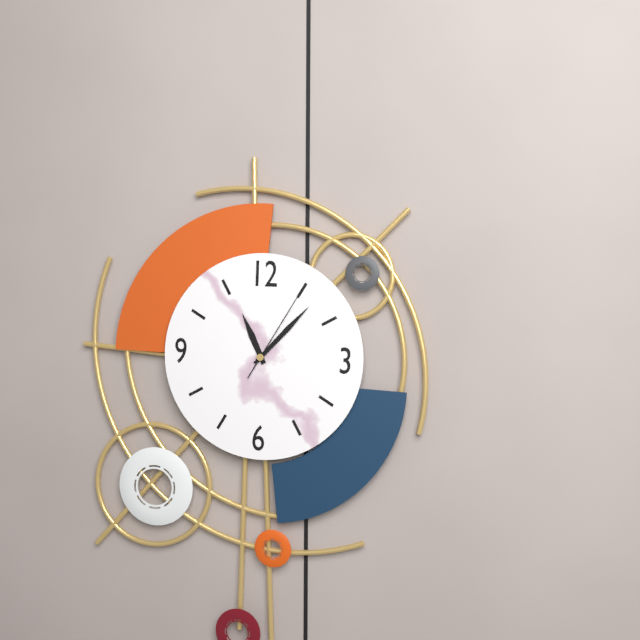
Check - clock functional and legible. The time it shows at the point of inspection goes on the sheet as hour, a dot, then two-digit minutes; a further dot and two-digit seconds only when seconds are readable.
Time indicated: 11.07.05
